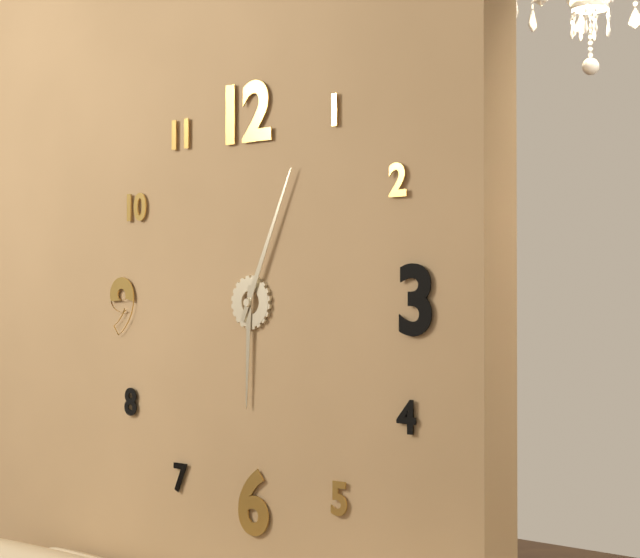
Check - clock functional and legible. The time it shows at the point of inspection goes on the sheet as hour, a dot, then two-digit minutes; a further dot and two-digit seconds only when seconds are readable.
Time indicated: 6.04
